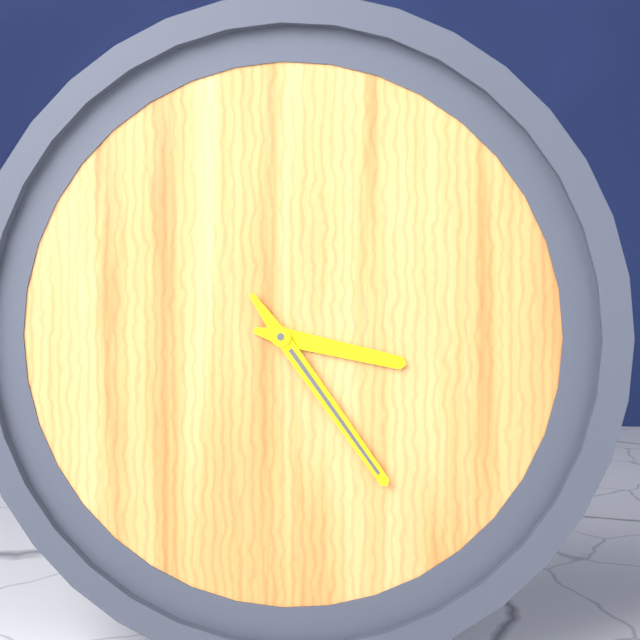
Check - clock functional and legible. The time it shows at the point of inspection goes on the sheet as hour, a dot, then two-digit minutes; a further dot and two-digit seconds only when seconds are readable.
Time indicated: 3.24
